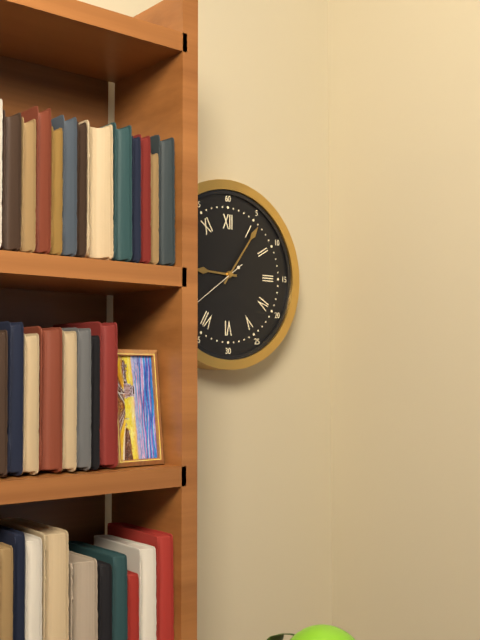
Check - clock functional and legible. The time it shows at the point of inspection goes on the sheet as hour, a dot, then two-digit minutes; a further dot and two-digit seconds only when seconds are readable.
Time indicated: 9.06.39
